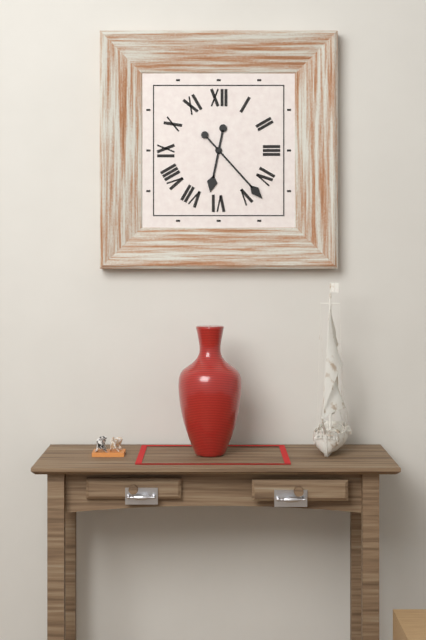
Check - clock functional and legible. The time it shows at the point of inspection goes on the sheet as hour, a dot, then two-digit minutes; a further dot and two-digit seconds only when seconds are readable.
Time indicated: 6.23
